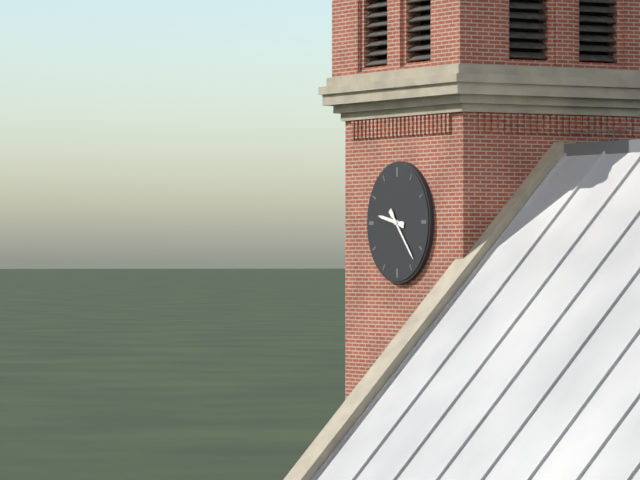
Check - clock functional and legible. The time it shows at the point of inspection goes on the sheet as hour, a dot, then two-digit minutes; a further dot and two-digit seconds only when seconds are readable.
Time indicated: 9.23
